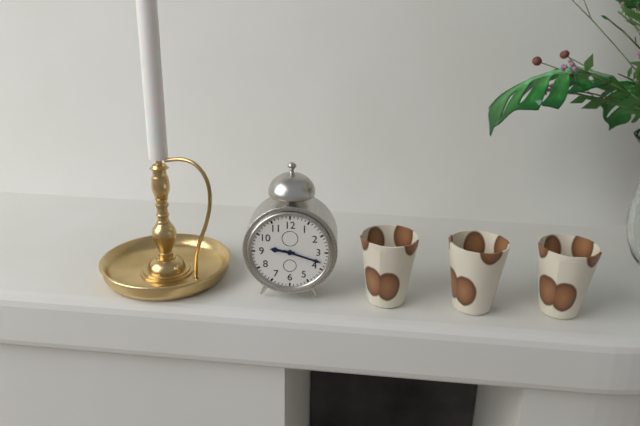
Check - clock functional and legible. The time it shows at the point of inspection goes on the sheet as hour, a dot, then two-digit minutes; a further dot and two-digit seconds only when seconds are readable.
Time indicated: 9.18
